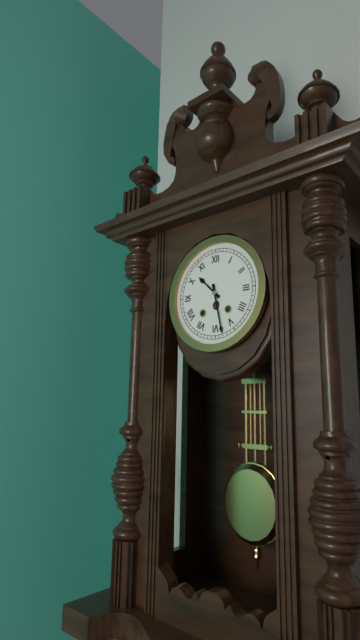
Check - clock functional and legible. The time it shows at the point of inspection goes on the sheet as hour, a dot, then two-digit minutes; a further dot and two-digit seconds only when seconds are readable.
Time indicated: 10.28
